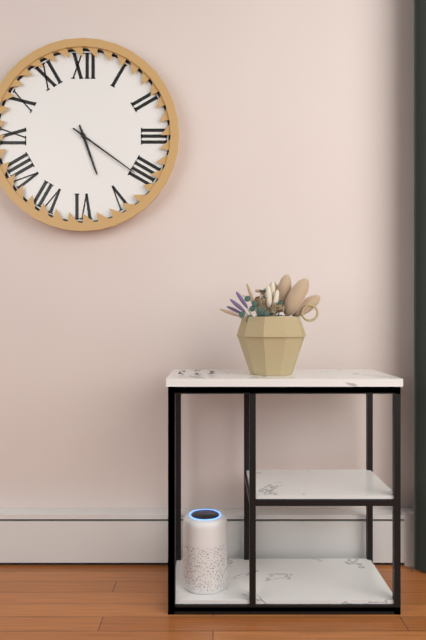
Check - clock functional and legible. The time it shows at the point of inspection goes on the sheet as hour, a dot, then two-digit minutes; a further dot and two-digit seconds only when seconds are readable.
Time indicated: 5.21
